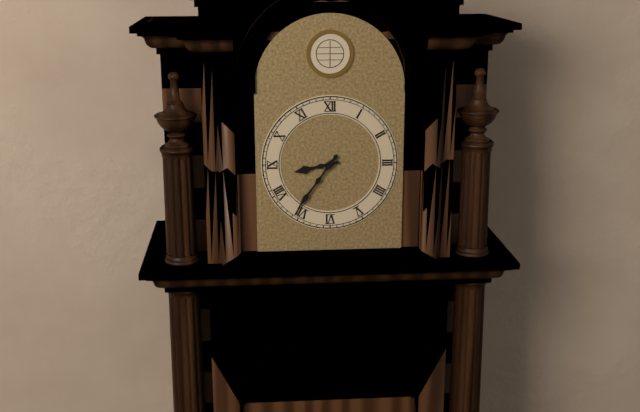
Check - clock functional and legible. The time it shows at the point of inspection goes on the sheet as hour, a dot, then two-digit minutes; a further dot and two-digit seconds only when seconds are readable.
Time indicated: 8.36
